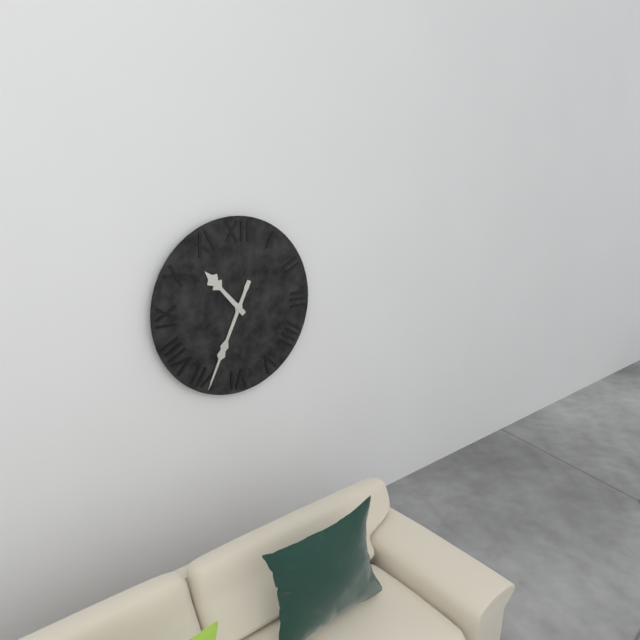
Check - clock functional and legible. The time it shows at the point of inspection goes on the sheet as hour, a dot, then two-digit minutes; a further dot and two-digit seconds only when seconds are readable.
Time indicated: 10.34
